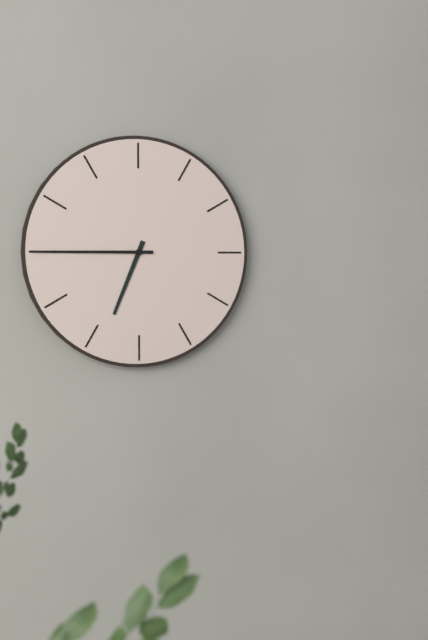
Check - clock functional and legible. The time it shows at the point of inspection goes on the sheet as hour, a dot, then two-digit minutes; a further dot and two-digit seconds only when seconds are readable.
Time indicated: 6.45
